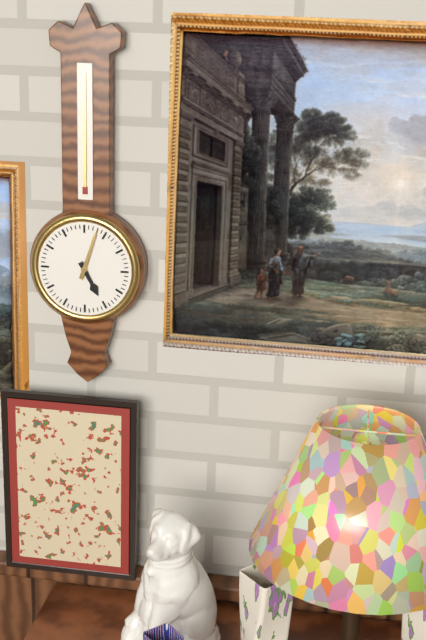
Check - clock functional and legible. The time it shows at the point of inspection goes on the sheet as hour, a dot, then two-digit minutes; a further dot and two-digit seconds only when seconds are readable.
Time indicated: 5.03
